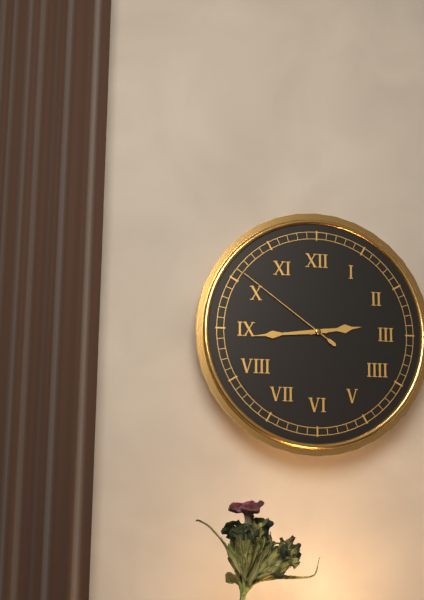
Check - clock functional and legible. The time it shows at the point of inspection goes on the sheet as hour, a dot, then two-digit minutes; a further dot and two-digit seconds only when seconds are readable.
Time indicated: 2.44.51
